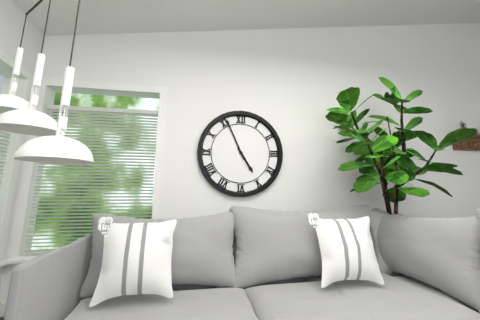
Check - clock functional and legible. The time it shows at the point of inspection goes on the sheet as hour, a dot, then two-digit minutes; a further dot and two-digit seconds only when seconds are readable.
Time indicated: 4.56
